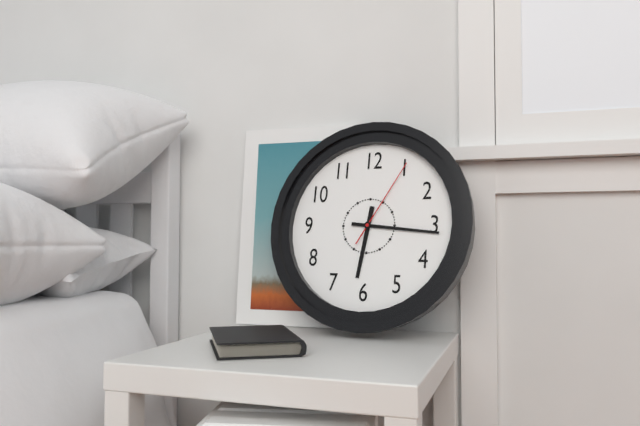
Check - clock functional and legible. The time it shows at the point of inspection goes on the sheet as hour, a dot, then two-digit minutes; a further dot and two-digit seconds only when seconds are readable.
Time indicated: 6.16.05
